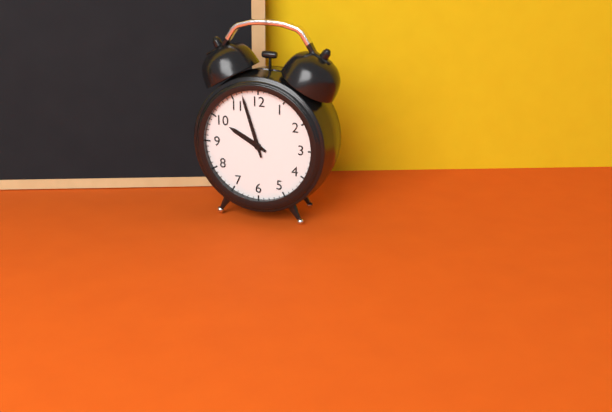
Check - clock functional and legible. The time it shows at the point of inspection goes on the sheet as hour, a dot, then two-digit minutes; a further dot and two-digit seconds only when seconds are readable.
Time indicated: 9.57
